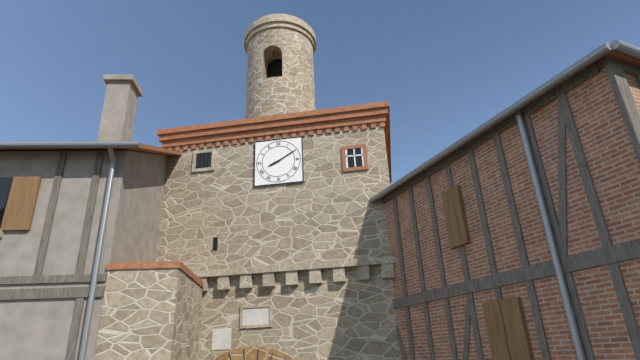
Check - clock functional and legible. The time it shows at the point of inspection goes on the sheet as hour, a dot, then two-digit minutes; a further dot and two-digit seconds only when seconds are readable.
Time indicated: 8.10
